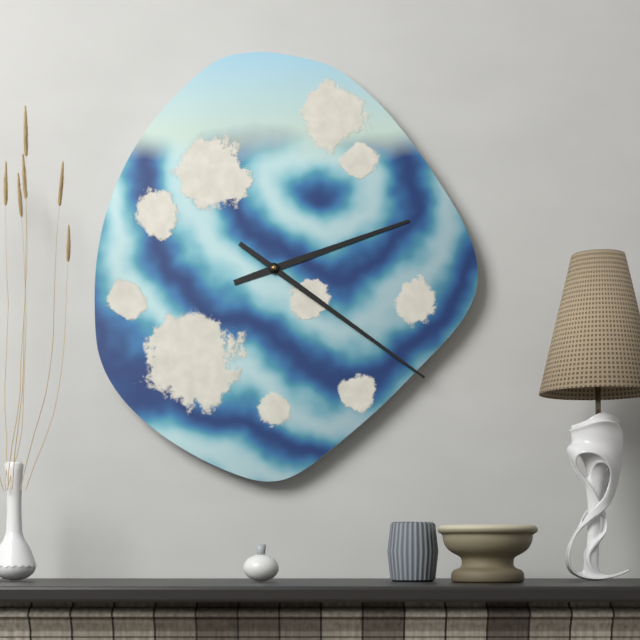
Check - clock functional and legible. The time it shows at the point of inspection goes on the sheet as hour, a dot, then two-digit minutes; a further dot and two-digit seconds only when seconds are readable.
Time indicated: 2.21
